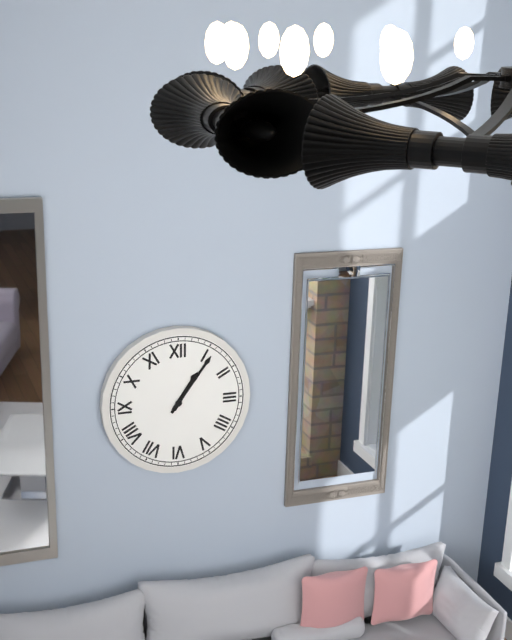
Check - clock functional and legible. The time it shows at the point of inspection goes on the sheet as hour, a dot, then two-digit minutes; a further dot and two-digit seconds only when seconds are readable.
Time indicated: 1.06
